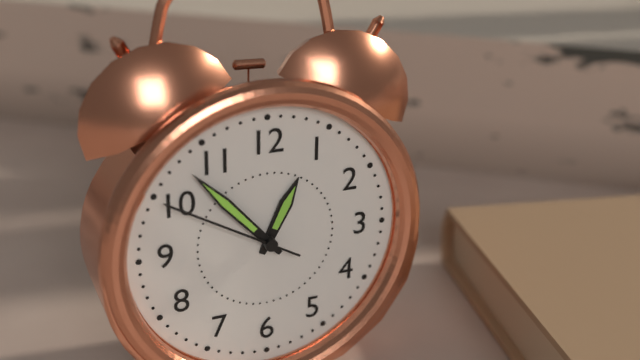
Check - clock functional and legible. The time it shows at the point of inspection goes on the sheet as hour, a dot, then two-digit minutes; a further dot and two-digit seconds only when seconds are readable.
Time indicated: 12.53.50
